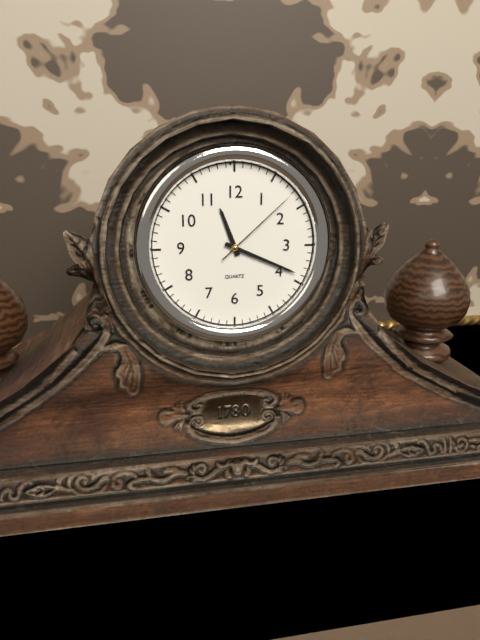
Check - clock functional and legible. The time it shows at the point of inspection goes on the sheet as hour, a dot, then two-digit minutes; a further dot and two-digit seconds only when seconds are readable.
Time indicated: 11.19.08
